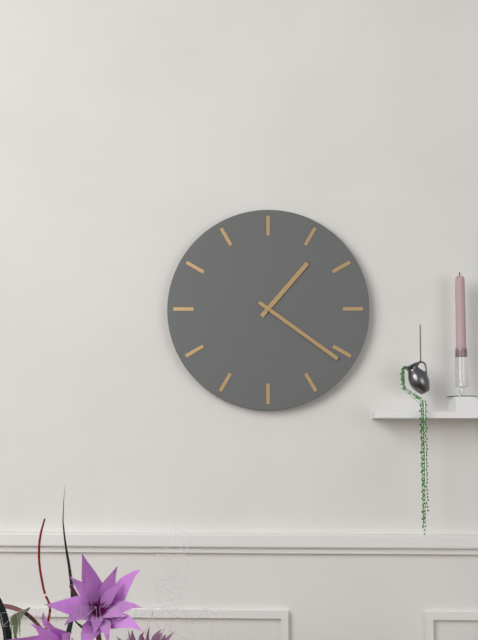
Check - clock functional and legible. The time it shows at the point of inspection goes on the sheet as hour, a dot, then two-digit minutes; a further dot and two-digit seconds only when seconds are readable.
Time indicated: 1.21
